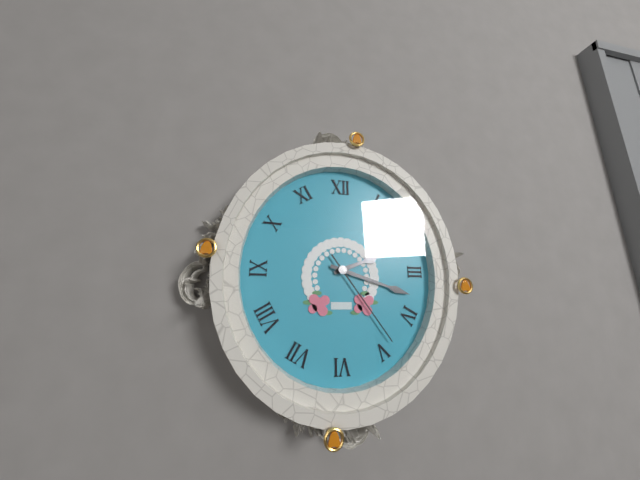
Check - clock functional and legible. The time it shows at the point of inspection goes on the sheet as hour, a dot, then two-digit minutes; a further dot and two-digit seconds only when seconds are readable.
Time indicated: 2.18.24
